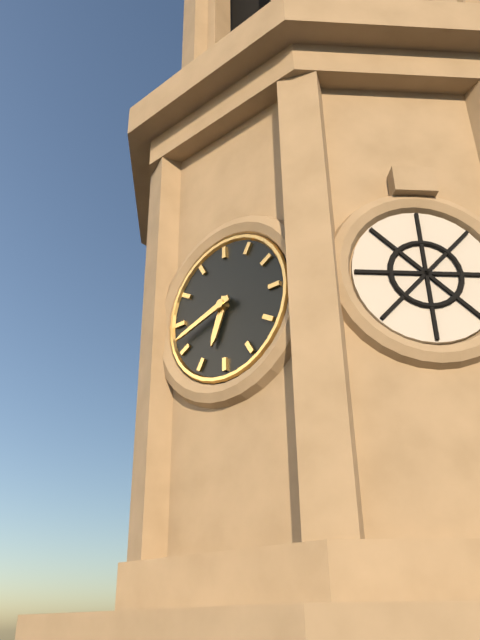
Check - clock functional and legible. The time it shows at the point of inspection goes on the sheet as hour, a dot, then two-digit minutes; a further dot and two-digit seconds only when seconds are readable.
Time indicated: 6.42
